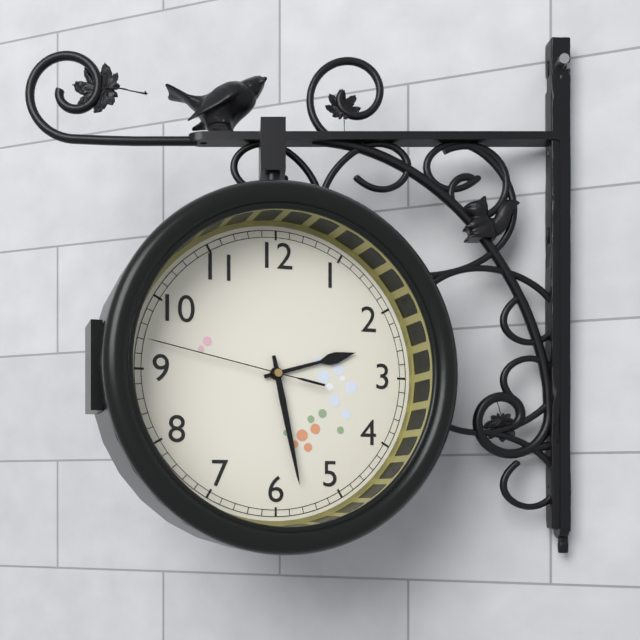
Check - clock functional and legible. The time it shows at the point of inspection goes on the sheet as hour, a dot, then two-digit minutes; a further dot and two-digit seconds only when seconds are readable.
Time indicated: 2.28.47
